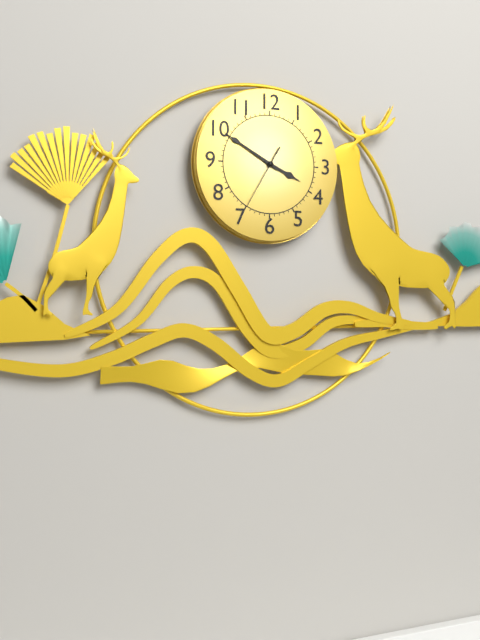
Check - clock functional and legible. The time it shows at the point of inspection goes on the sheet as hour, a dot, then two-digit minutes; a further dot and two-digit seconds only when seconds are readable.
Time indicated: 3.50.35
